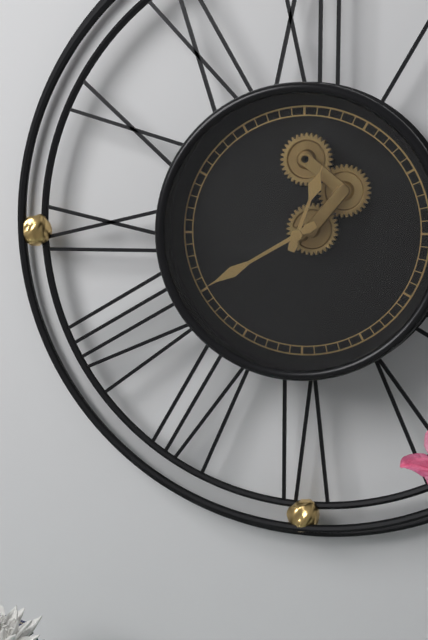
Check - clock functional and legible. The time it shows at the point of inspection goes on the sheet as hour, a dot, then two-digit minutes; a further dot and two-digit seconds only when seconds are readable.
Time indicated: 12.40
